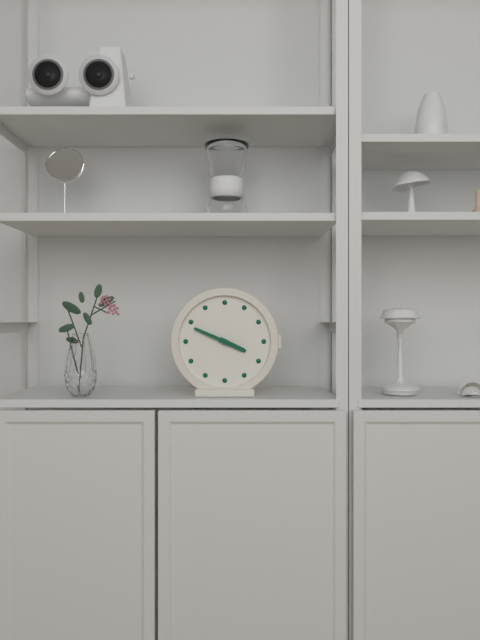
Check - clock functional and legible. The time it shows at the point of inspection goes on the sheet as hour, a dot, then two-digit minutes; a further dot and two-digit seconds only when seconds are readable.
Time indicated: 3.49
